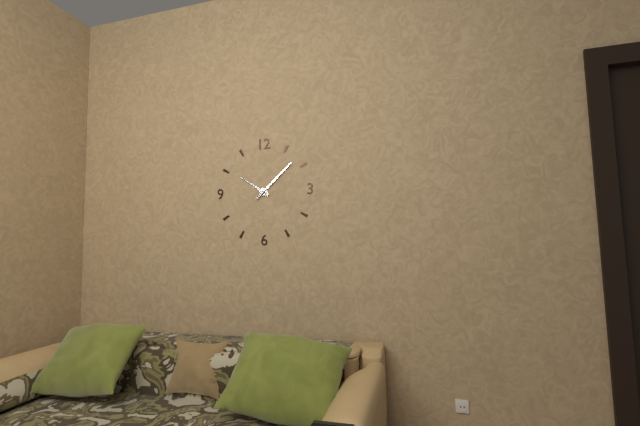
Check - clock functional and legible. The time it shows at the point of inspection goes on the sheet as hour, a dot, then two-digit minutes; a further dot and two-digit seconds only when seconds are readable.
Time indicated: 10.08
